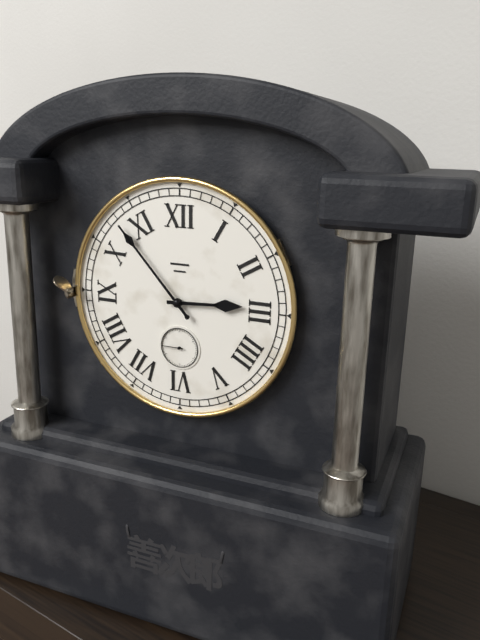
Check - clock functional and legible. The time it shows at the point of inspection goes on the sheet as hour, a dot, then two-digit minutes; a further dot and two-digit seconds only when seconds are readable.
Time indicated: 2.53
